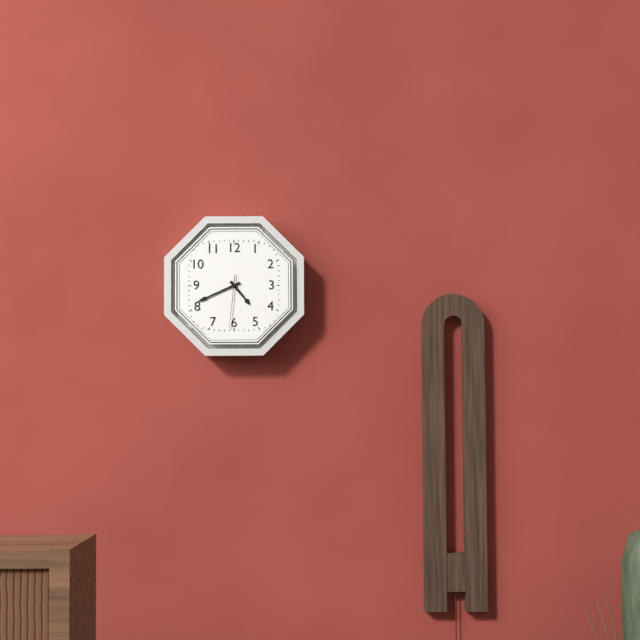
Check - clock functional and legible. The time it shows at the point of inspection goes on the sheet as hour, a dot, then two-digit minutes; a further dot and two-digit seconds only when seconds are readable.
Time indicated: 4.41.31
